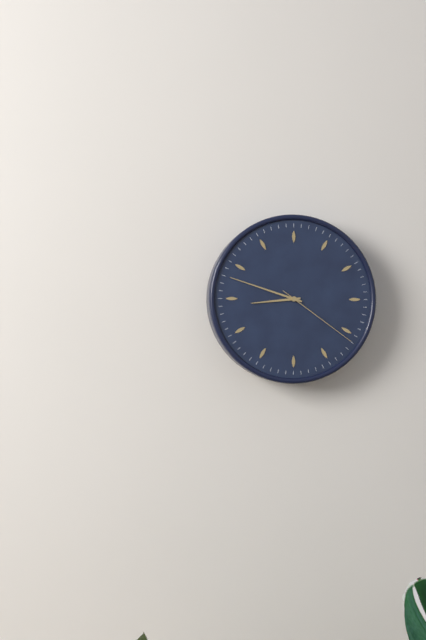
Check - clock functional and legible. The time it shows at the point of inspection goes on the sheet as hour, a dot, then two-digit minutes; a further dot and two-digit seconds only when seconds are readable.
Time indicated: 8.48.21
